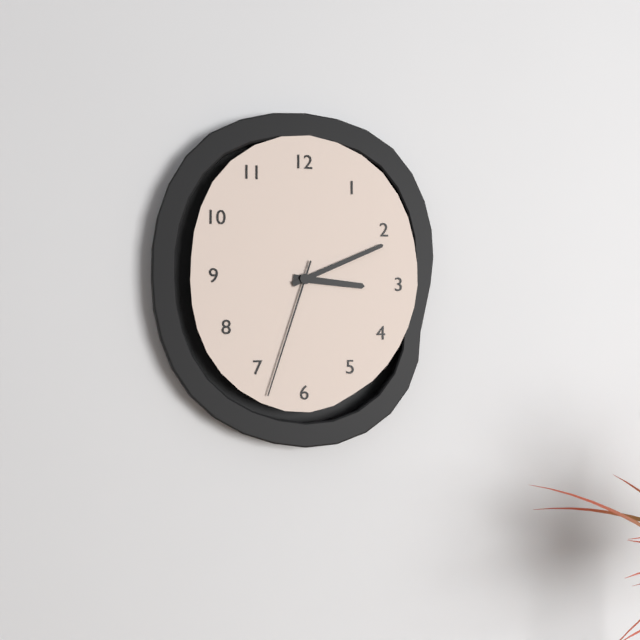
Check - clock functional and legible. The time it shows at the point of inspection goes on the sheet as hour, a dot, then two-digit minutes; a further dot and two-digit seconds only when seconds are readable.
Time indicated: 3.11.33
